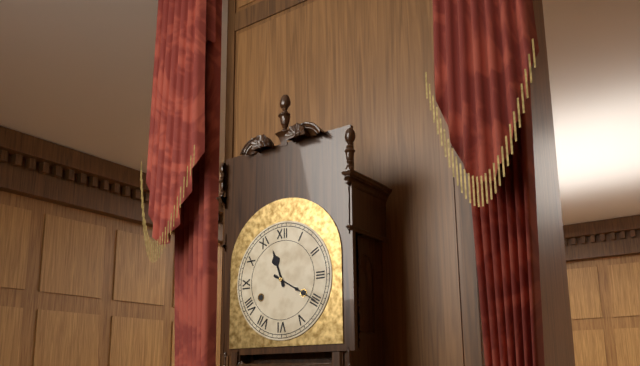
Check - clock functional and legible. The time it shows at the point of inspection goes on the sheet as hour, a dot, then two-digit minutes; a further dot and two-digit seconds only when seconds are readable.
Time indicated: 11.20
